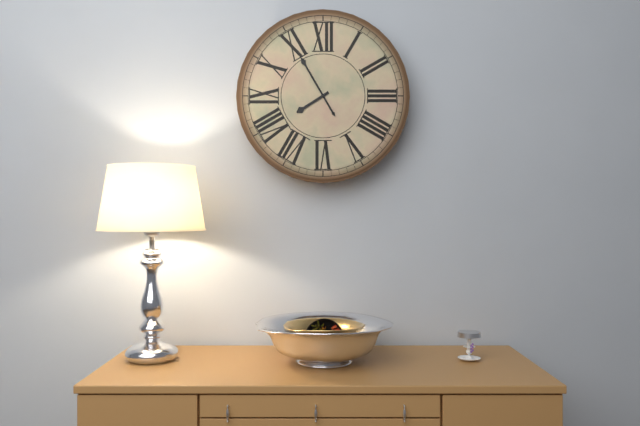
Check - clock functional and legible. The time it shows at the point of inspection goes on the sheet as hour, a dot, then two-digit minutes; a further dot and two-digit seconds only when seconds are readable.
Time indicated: 7.55
